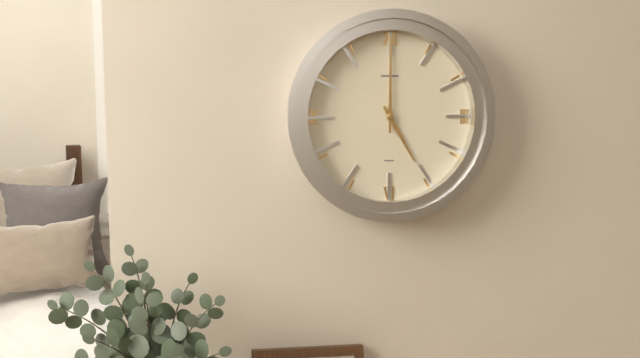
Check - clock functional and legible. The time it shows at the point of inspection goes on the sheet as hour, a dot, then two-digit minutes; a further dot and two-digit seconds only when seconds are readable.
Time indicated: 5.00
